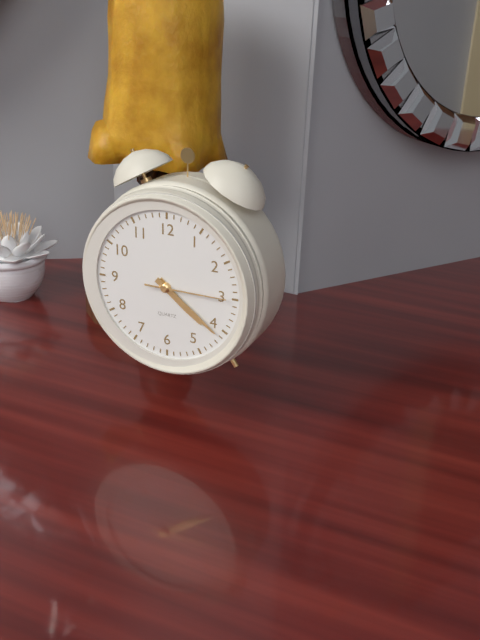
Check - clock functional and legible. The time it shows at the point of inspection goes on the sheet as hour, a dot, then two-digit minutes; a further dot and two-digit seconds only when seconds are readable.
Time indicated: 4.21.15
